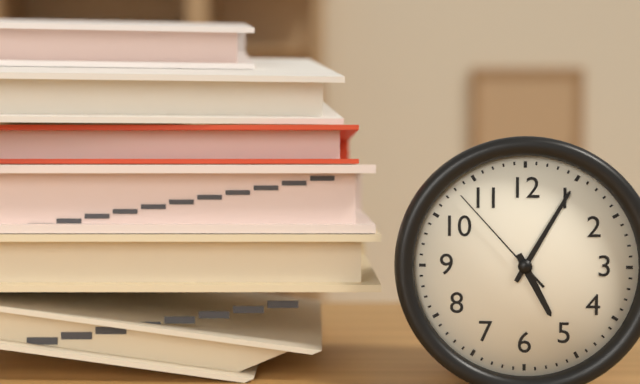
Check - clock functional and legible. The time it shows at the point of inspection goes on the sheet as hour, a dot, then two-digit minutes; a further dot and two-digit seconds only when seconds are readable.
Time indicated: 5.05.53
